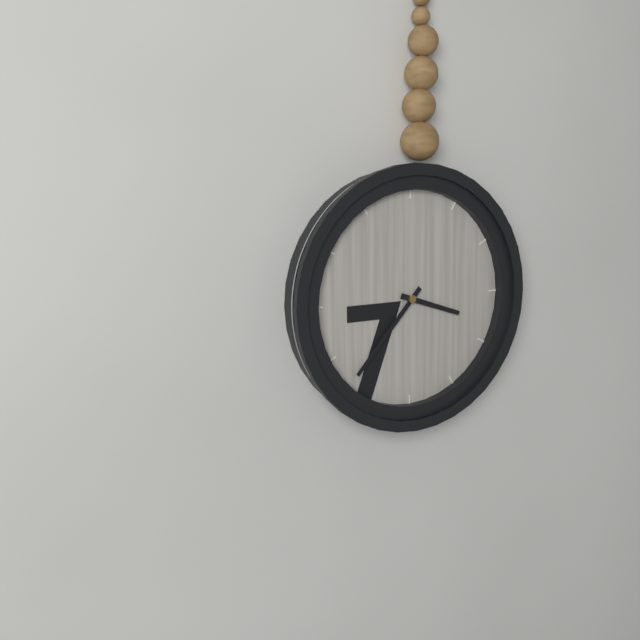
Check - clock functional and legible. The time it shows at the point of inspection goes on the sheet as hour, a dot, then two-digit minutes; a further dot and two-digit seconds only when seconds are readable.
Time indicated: 3.37
